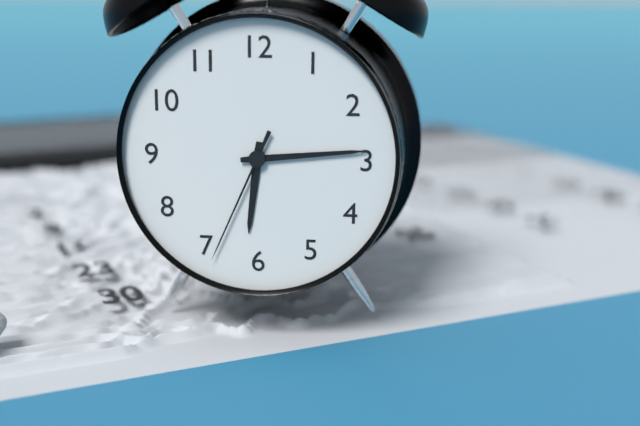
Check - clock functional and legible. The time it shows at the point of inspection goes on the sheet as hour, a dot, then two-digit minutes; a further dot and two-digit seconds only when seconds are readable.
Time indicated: 6.14.34
